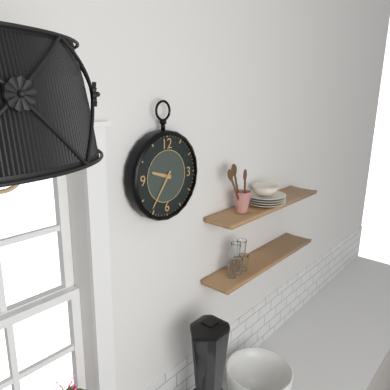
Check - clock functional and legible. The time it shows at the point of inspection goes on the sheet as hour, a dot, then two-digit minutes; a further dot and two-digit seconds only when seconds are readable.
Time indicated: 9.36
